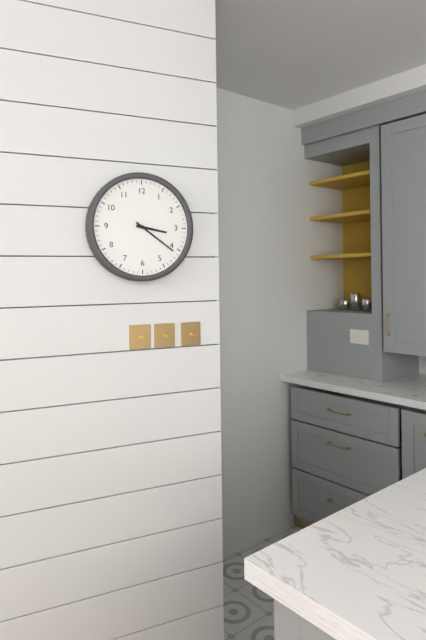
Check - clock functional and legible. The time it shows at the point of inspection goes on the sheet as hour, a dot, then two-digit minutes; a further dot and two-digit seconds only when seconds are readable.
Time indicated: 3.21
